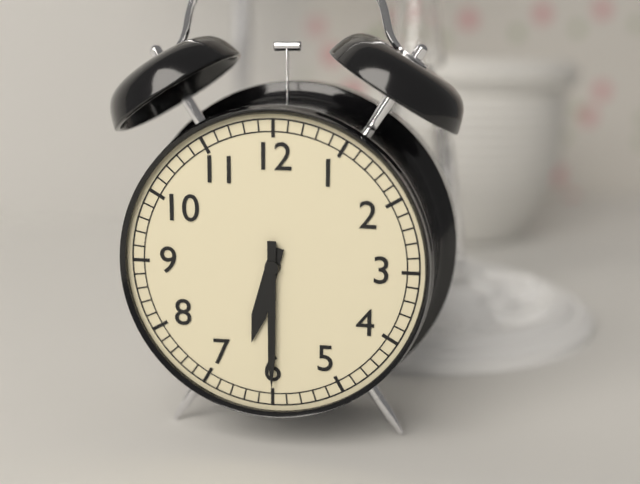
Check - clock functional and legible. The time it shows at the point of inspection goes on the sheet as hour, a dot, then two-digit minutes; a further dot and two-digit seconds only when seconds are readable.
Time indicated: 6.30
